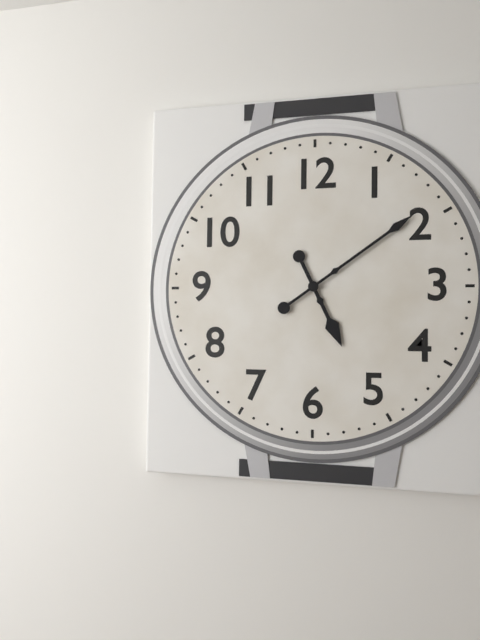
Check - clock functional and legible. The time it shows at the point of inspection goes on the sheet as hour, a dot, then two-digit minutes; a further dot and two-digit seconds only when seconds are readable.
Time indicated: 5.09
